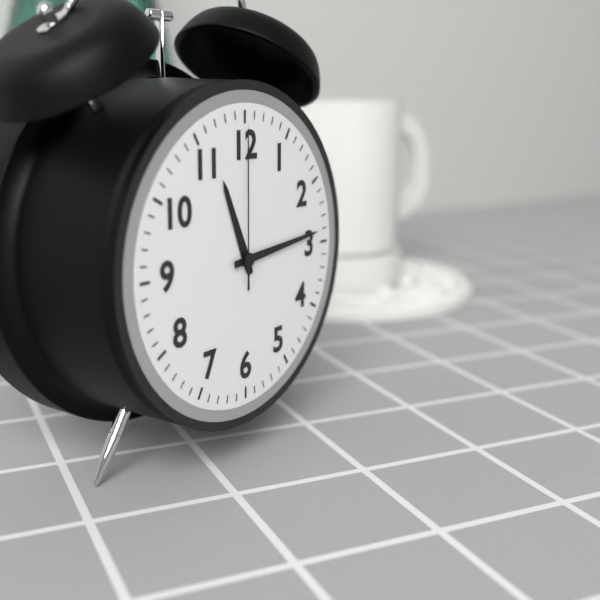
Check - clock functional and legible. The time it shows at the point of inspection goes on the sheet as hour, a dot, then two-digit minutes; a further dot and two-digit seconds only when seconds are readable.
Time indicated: 11.14.00
